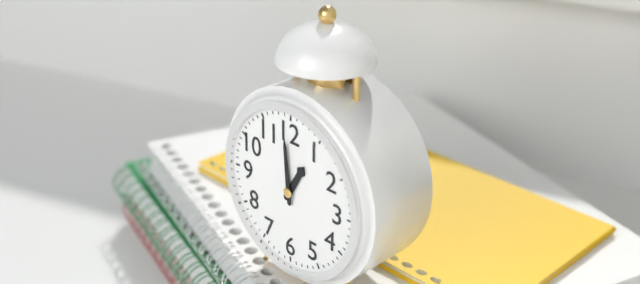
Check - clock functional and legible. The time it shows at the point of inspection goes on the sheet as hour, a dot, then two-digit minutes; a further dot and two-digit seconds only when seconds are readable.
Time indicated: 12.59
